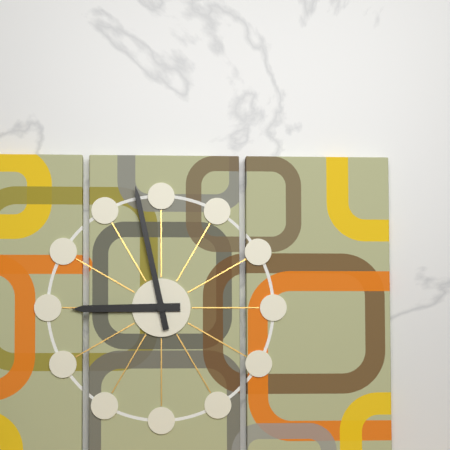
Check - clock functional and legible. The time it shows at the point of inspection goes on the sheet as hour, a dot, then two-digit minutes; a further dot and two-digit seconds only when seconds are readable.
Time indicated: 8.58
